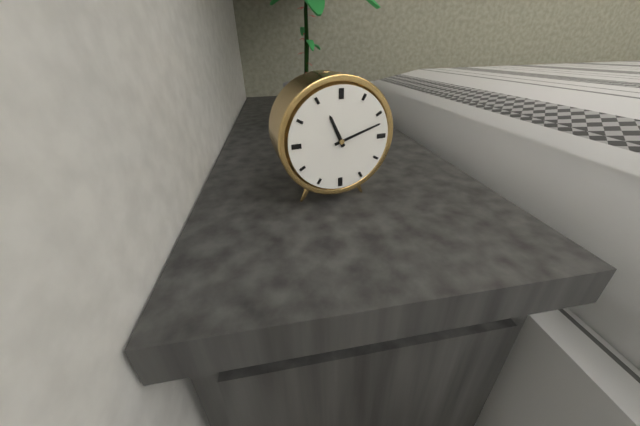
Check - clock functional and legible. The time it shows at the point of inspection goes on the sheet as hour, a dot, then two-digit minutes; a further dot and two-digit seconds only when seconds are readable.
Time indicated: 11.12
